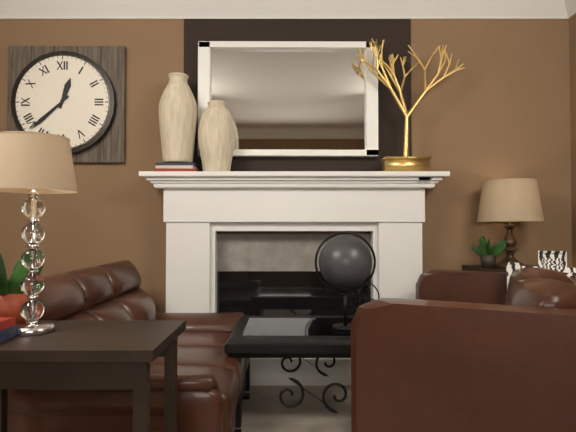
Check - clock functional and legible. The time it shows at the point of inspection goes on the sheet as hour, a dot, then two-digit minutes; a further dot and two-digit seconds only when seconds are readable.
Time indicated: 12.38
